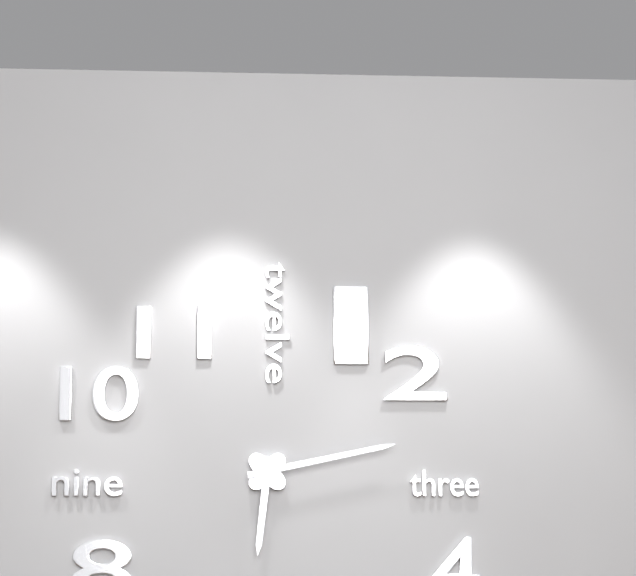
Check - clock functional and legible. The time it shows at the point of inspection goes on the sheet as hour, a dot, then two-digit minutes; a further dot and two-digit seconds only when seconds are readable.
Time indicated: 6.13
